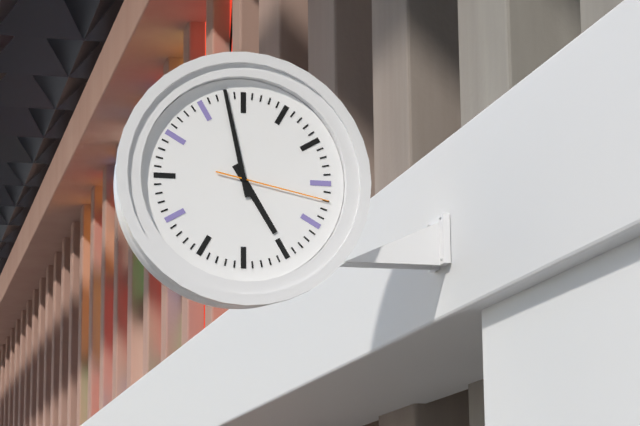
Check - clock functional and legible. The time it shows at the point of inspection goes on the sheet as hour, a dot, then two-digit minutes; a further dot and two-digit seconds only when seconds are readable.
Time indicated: 4.58.17
